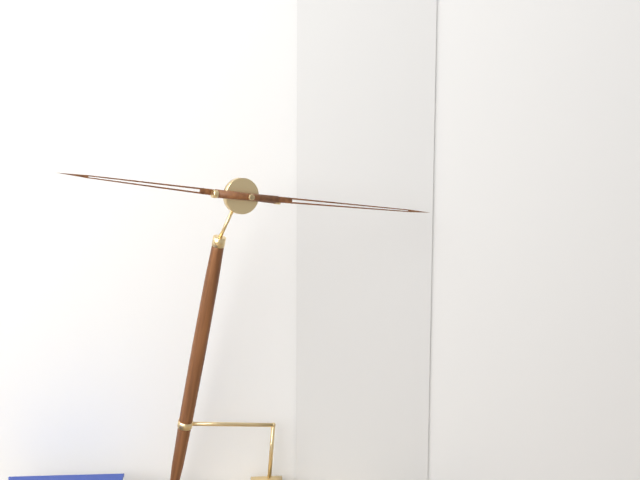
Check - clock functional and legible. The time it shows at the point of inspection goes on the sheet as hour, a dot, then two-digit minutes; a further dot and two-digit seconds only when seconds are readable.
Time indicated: 9.16
